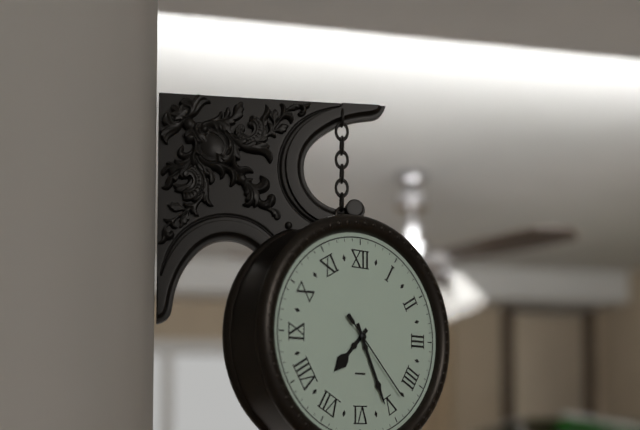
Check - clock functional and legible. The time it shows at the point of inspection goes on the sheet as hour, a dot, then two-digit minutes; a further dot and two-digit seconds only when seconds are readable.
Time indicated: 7.26.23
